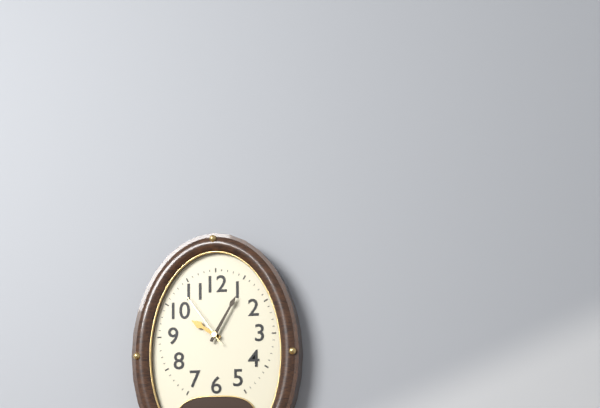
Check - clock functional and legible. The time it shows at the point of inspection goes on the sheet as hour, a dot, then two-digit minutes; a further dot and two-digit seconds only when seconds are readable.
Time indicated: 10.05.54
